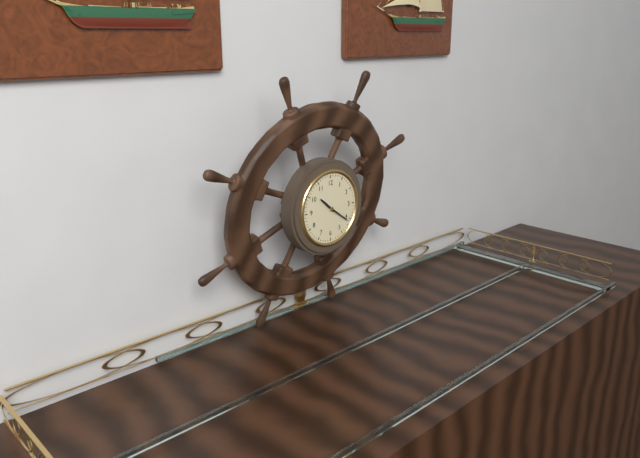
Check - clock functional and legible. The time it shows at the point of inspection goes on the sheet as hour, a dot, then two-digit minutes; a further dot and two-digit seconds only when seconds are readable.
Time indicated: 10.21
